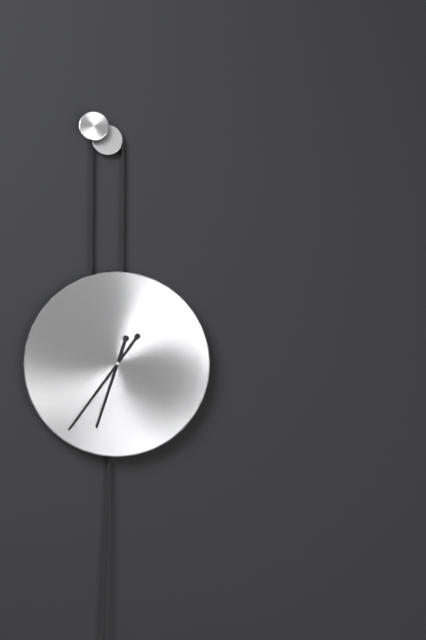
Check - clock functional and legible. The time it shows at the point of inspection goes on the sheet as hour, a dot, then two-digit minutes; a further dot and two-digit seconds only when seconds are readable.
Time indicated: 6.36
